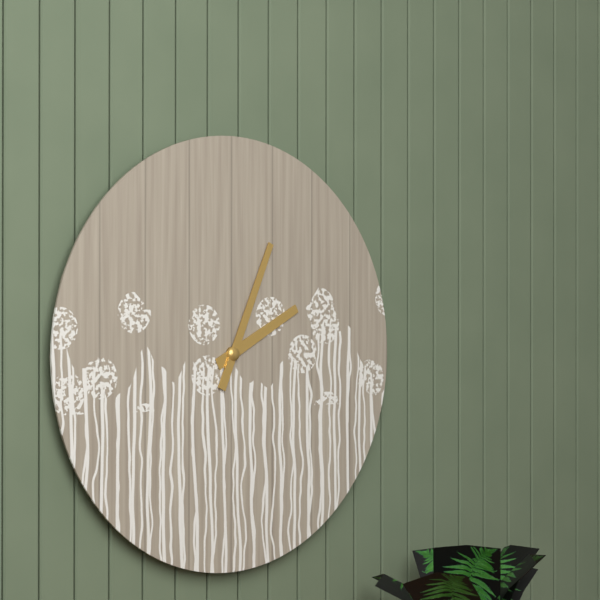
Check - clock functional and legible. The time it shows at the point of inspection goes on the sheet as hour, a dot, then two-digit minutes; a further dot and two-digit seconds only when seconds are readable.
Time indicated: 2.04
